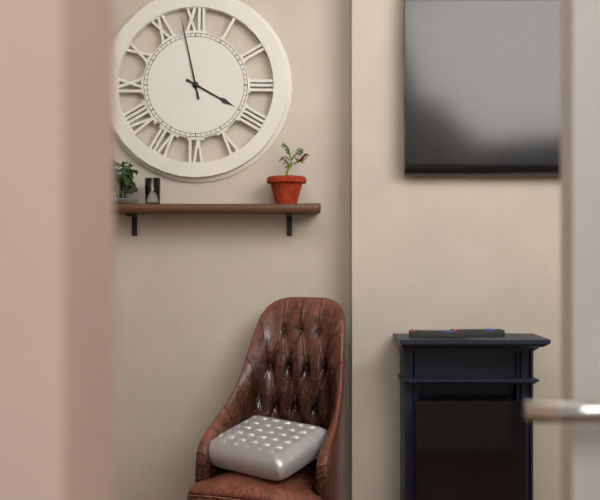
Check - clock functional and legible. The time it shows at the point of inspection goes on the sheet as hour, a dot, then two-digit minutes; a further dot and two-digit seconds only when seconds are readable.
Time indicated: 3.58
